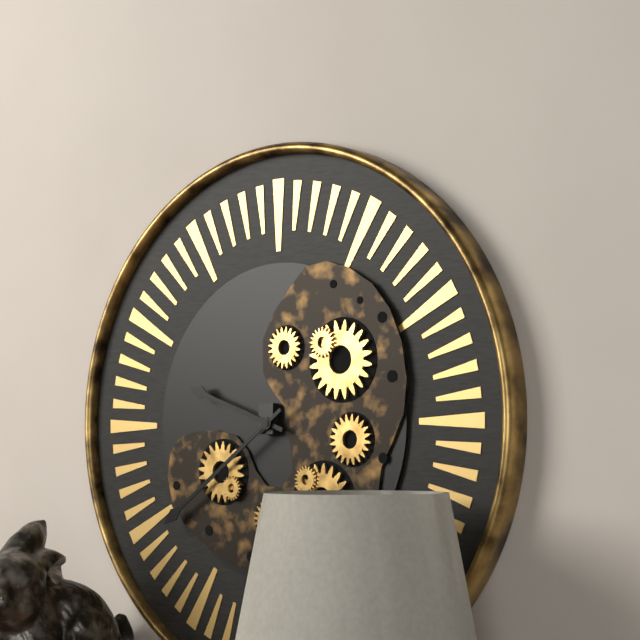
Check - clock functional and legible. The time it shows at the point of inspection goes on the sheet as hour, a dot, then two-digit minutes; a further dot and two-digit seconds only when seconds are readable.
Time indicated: 9.39
